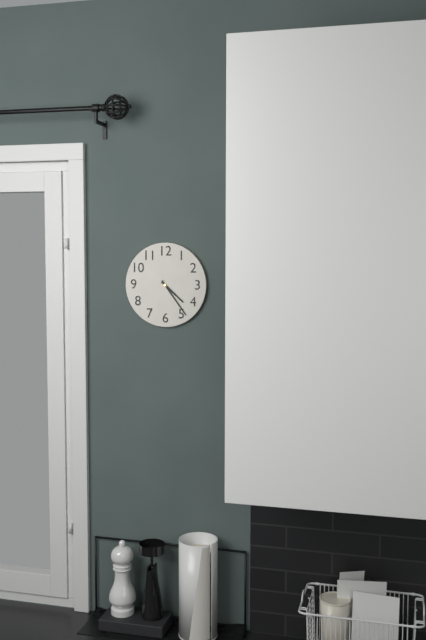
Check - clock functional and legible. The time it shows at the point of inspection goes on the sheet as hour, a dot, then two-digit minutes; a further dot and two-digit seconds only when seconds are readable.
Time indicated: 4.24
